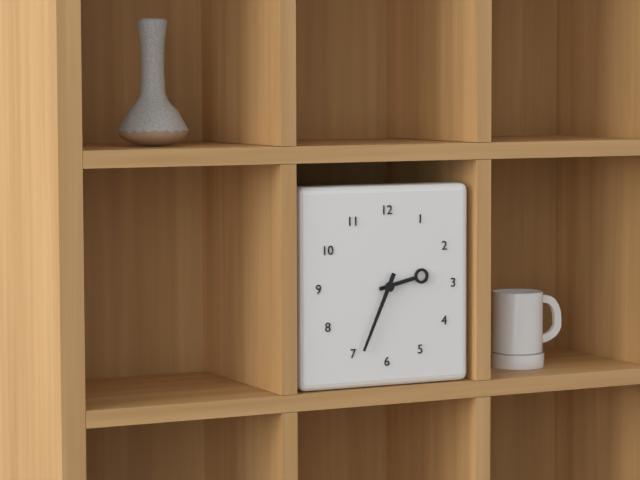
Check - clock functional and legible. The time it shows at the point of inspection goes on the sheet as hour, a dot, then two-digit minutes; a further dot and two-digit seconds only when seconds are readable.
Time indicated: 2.34
